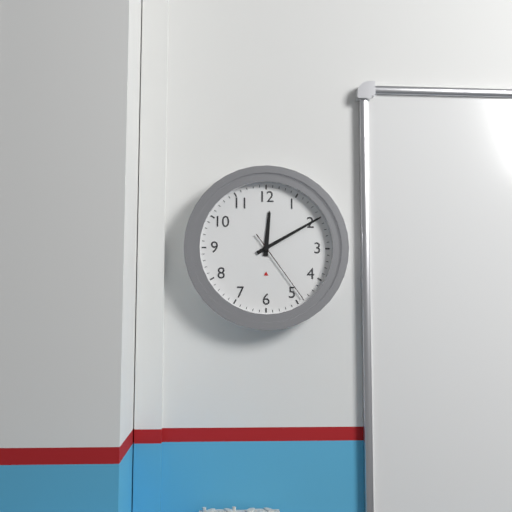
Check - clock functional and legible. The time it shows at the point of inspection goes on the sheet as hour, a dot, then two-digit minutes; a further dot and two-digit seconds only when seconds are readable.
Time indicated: 12.10.24
